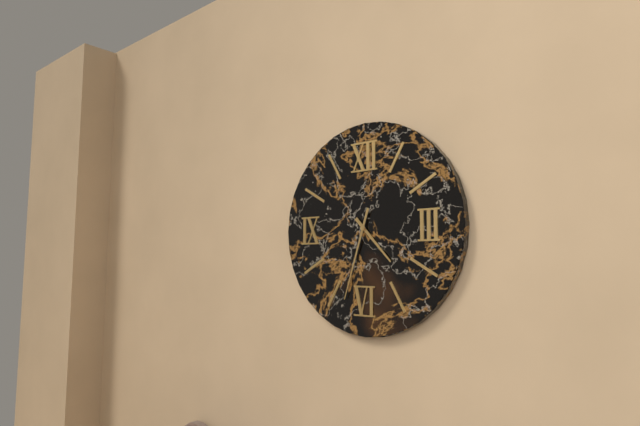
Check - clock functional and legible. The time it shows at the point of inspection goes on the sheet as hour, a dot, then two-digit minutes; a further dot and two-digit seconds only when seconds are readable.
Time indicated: 4.33
